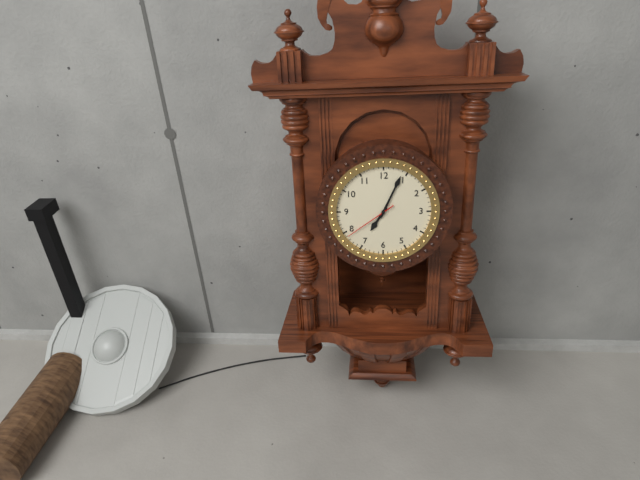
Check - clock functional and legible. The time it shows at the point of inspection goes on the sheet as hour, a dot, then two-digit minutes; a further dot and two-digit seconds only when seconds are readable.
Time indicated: 7.04.39
